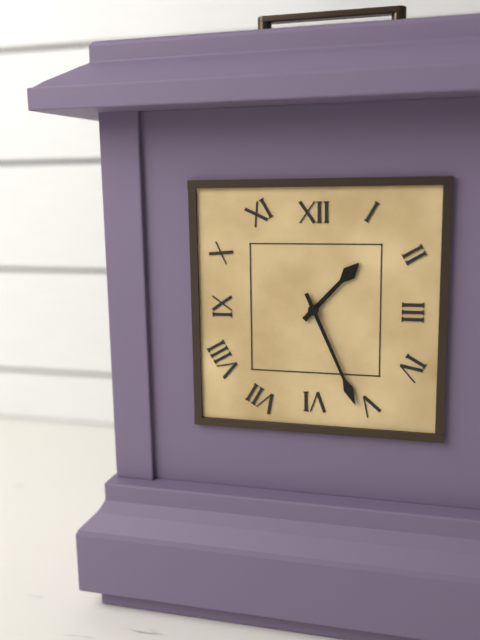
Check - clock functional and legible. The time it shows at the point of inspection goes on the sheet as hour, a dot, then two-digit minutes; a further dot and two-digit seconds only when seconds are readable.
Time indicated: 1.26
